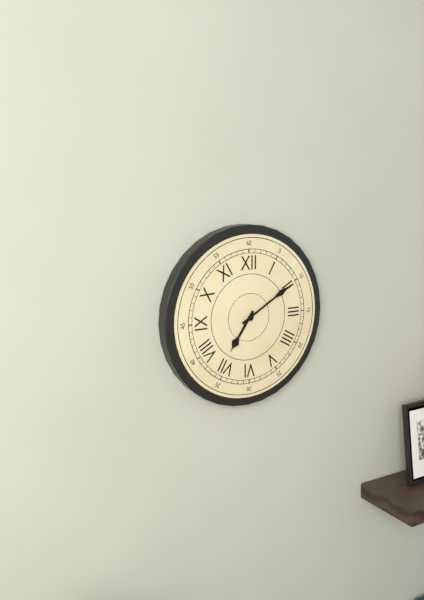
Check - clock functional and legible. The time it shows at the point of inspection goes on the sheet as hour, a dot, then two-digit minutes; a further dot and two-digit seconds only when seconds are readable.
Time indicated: 7.10
